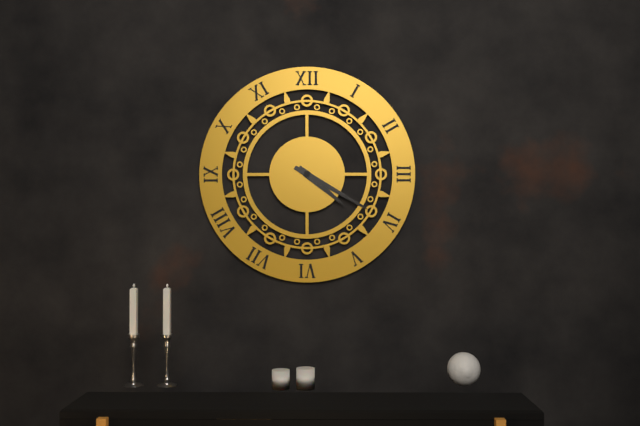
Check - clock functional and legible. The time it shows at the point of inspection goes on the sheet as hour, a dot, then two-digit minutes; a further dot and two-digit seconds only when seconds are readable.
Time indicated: 4.20
